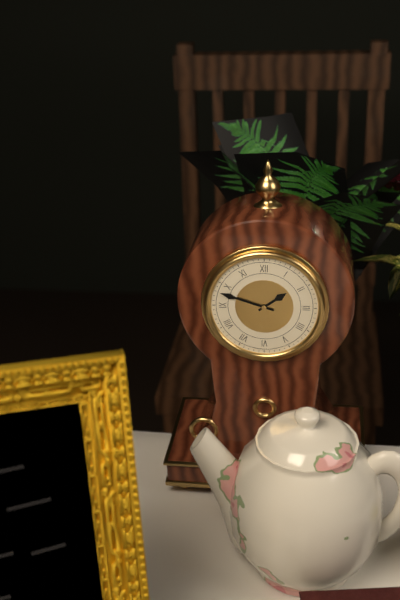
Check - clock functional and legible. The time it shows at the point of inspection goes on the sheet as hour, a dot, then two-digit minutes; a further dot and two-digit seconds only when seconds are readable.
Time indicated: 1.48
